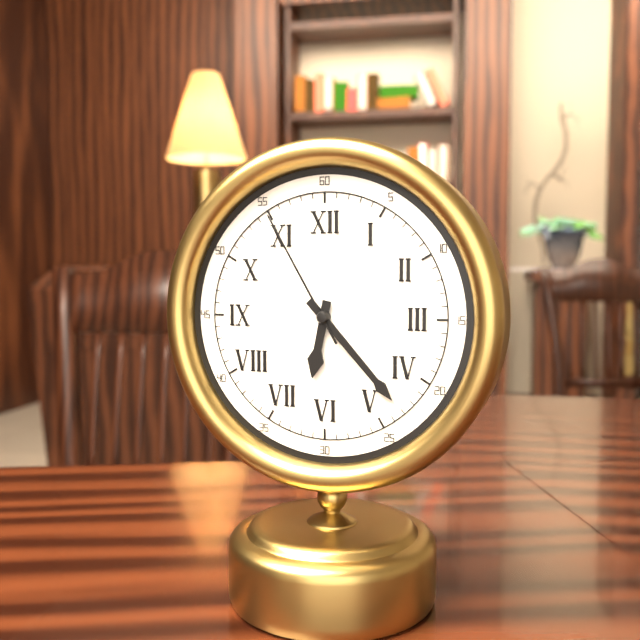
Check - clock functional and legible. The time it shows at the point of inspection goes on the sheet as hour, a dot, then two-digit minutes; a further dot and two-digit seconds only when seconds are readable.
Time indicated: 6.23.55
